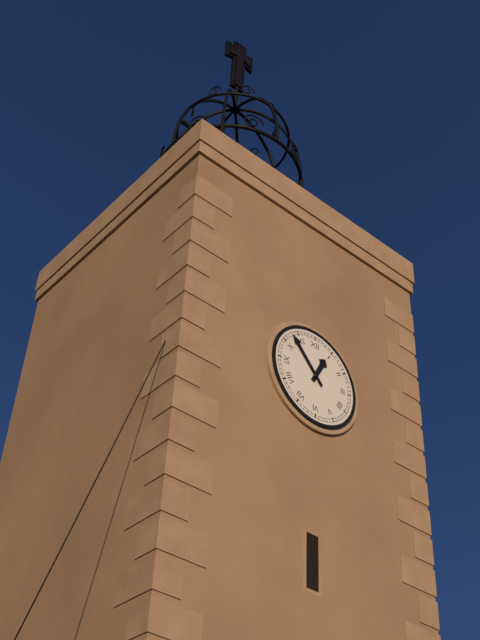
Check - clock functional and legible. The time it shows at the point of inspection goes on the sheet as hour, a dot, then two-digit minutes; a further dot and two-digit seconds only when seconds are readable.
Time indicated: 12.53
